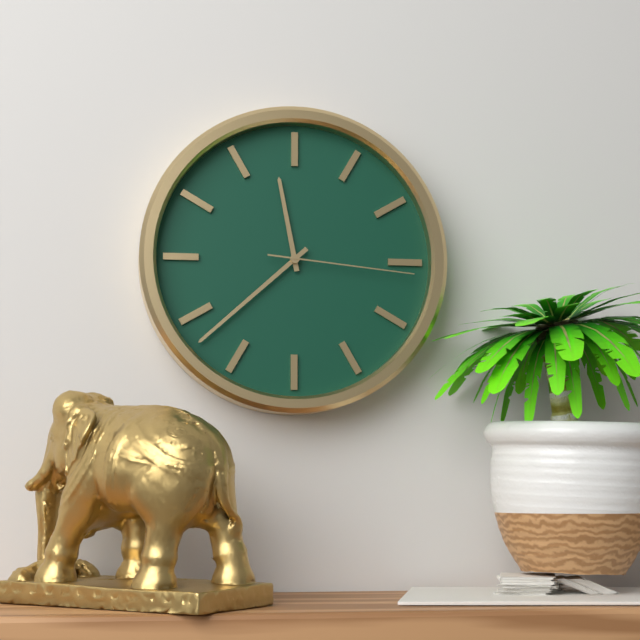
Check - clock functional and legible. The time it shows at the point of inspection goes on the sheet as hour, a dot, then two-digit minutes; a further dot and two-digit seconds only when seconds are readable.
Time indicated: 11.38.16
